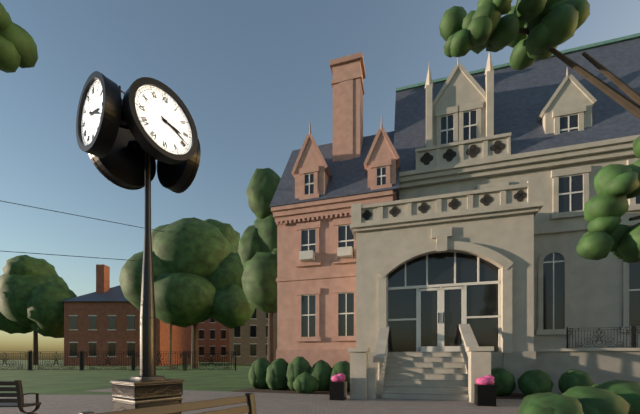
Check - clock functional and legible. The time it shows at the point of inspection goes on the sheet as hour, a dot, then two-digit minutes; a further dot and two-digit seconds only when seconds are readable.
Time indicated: 3.19
